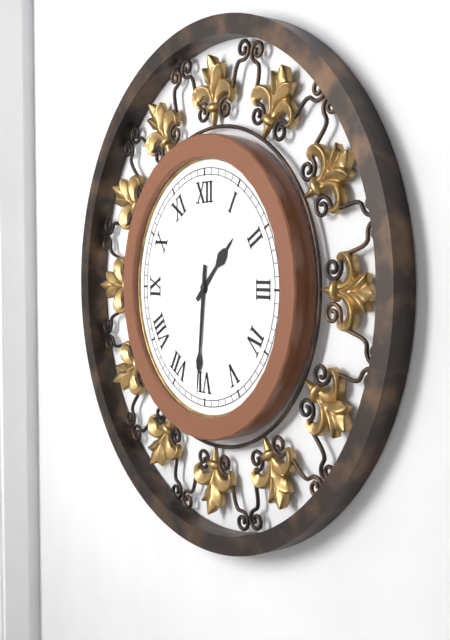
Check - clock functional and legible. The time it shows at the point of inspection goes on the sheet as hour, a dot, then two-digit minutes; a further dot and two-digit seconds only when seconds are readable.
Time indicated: 1.31
